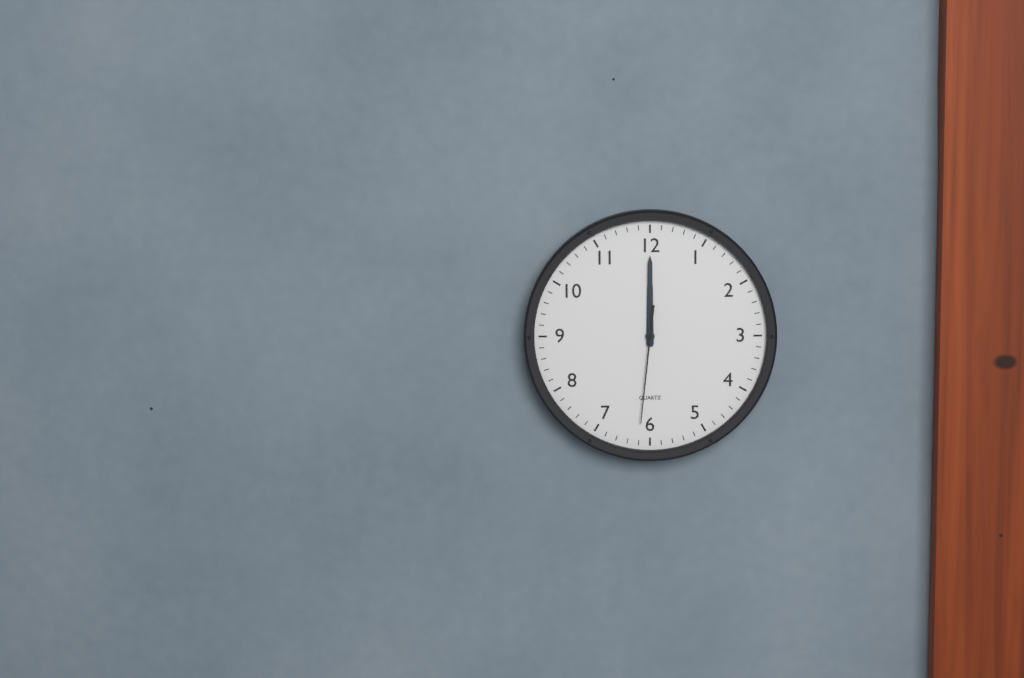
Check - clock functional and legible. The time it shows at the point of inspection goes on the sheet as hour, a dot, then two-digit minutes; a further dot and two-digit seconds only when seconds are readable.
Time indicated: 12.00.31
